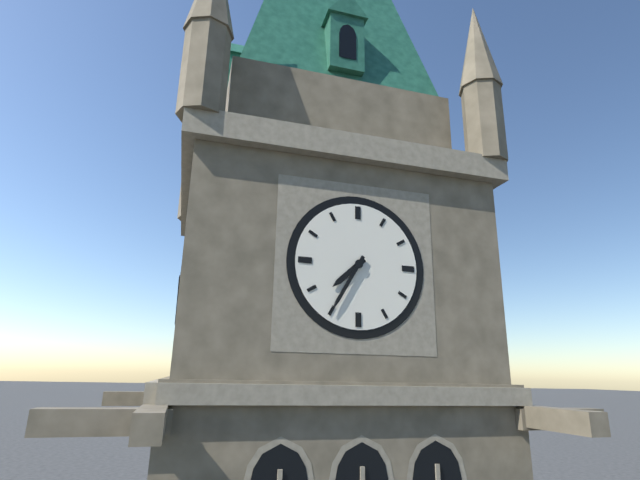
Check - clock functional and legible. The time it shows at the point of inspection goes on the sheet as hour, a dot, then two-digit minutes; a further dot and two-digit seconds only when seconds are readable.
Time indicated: 7.35
